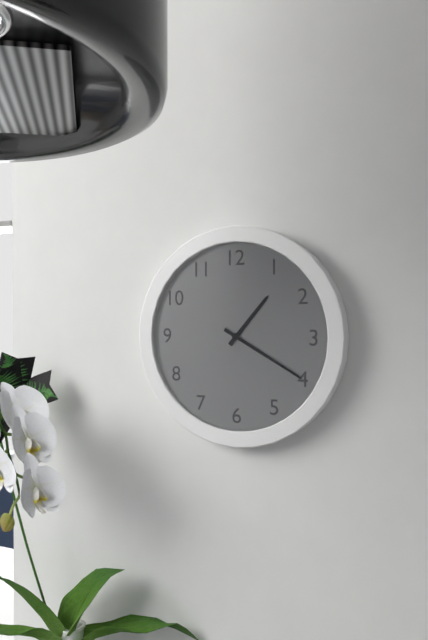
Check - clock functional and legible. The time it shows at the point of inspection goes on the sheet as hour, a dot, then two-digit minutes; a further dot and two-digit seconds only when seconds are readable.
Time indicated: 1.20
